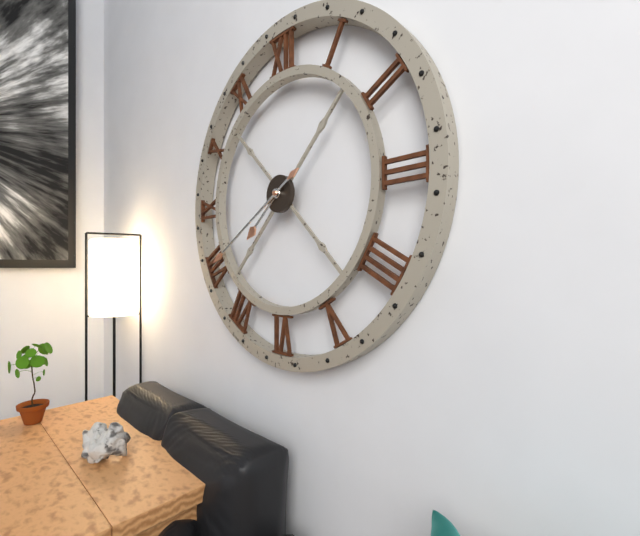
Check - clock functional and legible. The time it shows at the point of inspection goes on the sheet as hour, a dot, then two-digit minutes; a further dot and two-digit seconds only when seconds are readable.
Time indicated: 7.40
